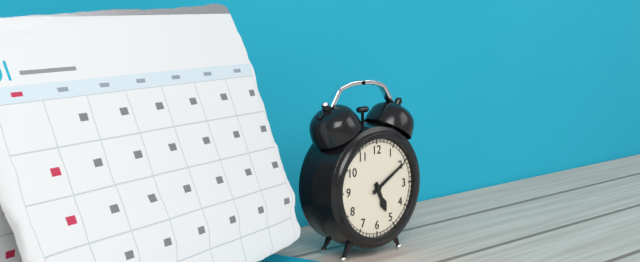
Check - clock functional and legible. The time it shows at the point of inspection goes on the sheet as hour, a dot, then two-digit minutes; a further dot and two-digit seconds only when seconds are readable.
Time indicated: 5.10
